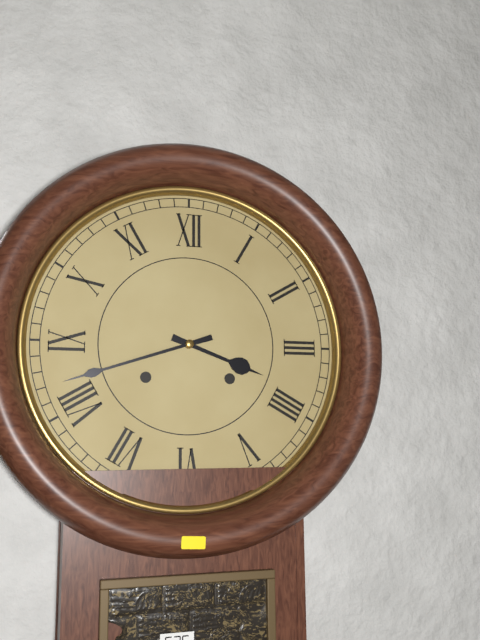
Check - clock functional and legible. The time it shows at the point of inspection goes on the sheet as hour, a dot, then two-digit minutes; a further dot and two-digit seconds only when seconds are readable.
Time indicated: 3.42
